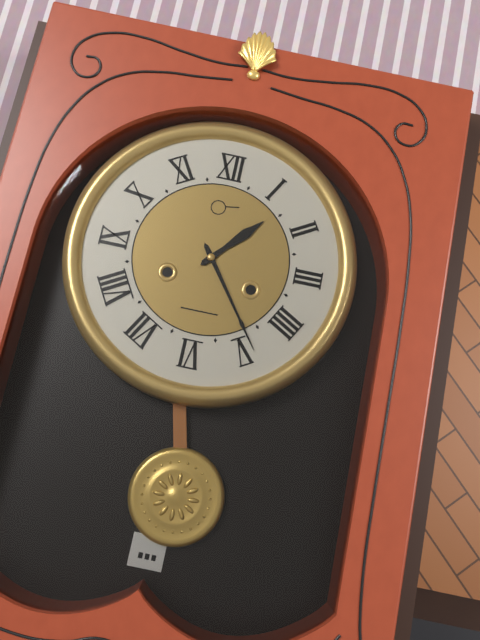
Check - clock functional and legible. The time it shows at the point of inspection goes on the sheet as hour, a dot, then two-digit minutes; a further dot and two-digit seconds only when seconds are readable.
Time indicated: 1.24
